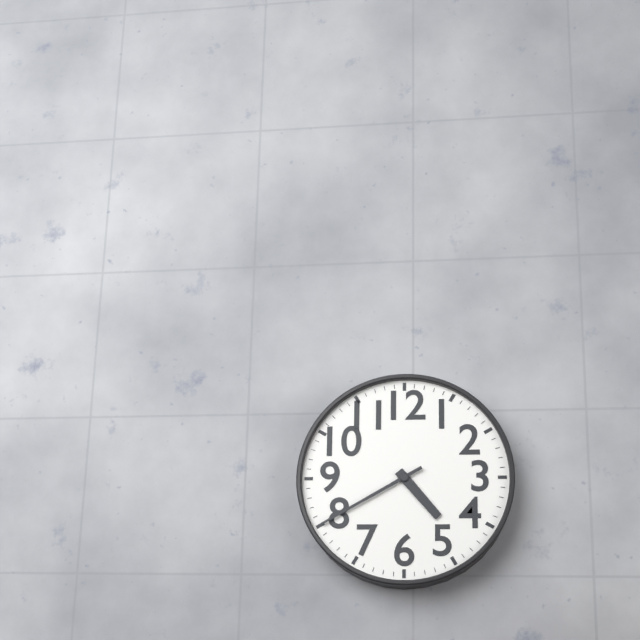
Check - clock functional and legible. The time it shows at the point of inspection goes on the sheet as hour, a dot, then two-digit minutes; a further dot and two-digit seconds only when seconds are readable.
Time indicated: 4.40
